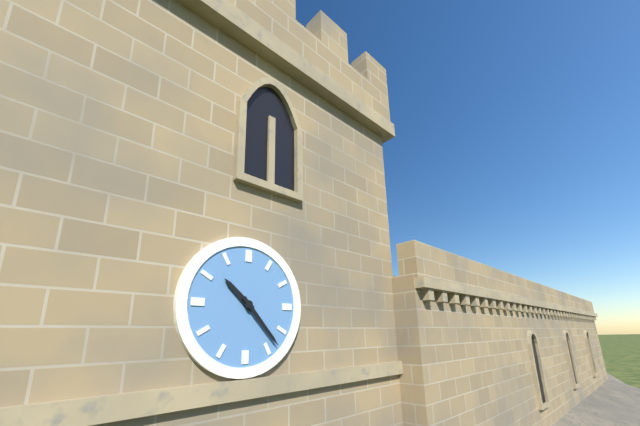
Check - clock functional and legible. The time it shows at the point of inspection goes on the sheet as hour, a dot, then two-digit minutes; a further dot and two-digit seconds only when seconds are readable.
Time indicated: 10.23
